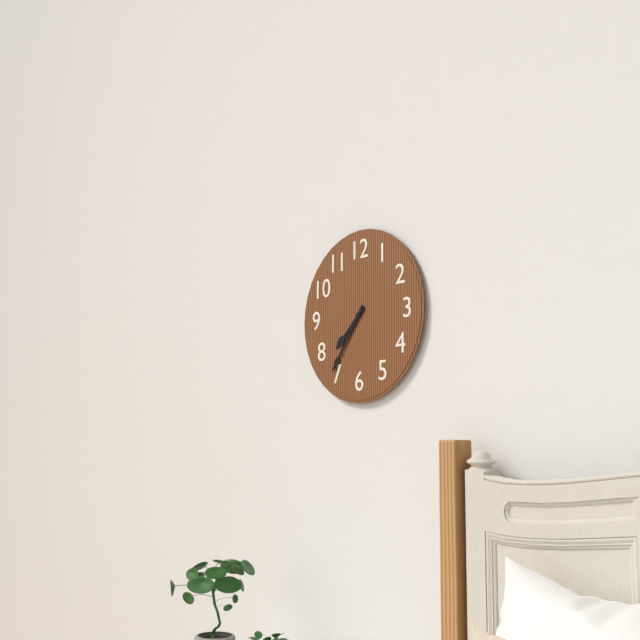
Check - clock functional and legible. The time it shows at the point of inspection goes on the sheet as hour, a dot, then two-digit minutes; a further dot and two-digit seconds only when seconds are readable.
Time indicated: 7.36
